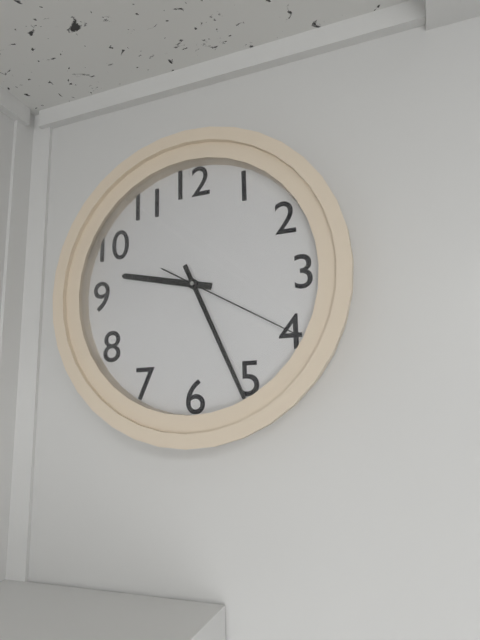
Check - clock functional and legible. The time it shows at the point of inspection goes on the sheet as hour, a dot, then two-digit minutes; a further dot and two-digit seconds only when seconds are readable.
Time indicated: 9.26.20
